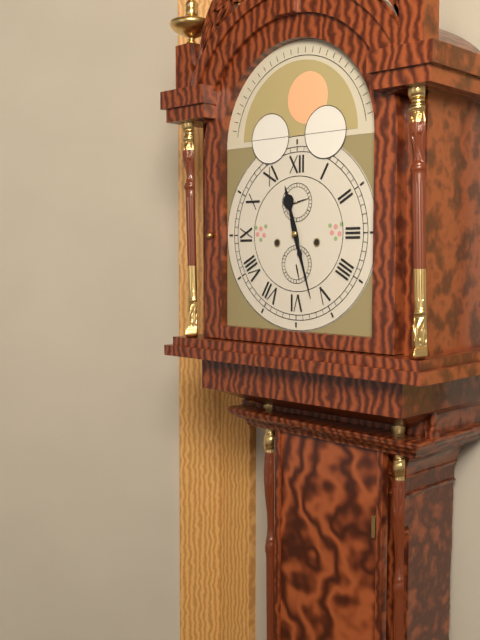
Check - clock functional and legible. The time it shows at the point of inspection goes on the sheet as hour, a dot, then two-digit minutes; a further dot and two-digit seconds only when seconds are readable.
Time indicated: 11.27
